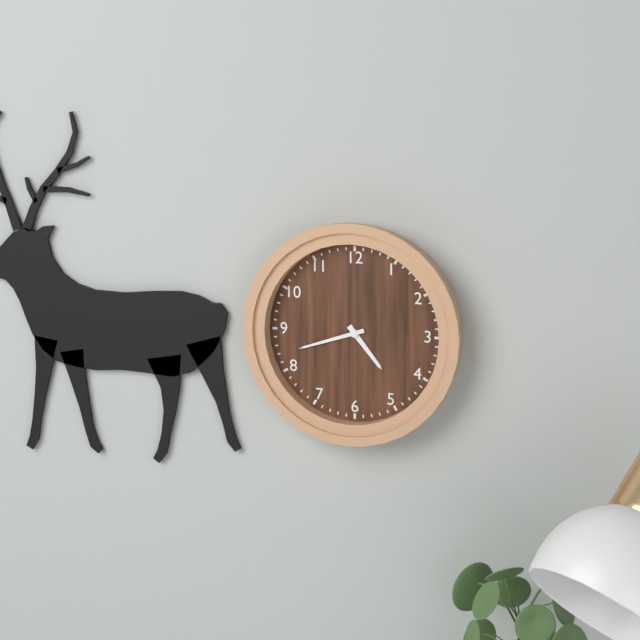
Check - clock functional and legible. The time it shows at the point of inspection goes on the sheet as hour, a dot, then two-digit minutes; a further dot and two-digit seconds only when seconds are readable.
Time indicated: 4.42
